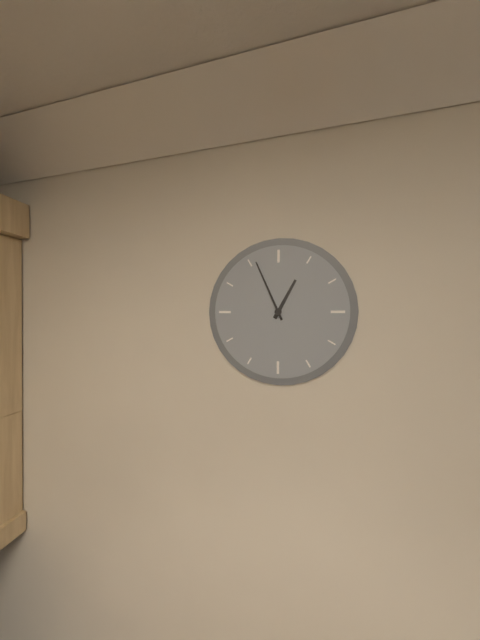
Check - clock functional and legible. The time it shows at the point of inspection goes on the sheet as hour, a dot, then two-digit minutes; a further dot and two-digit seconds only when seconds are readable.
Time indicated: 12.56
